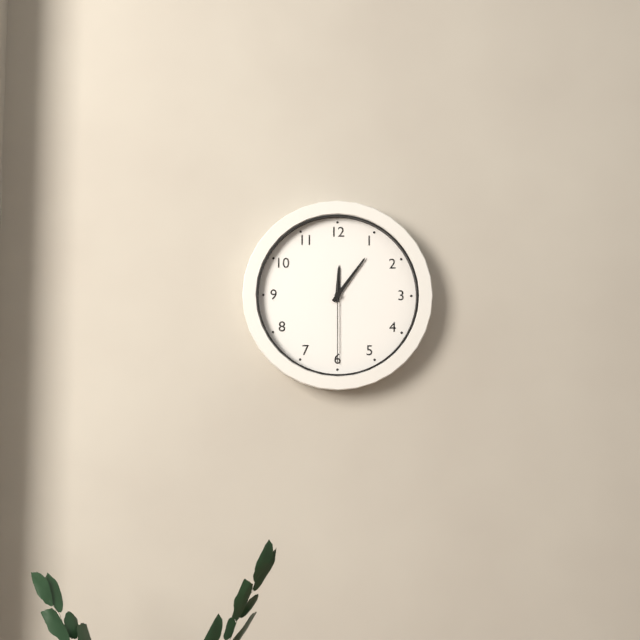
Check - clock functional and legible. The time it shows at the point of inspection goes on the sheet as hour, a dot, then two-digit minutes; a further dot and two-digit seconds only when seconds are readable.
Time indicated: 12.06.30
